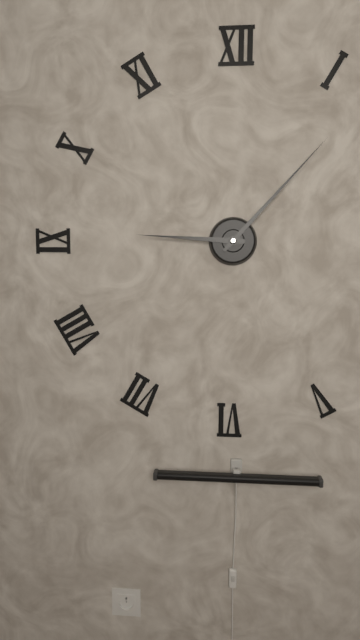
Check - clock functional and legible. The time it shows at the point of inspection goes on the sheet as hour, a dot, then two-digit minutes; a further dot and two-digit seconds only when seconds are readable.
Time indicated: 9.07
